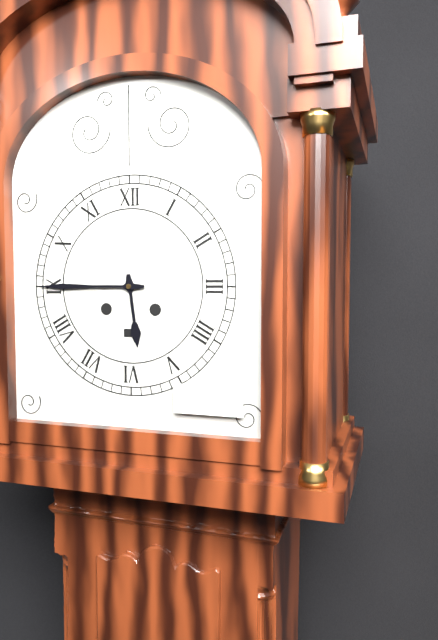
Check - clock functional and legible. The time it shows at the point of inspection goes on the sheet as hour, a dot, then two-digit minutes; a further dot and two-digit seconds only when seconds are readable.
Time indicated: 5.45
